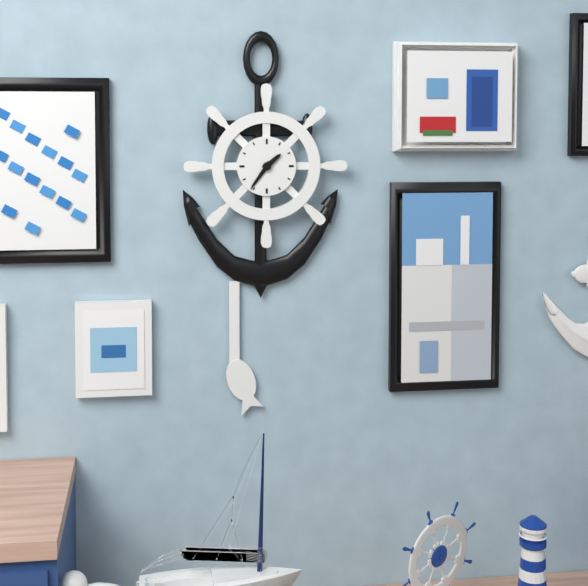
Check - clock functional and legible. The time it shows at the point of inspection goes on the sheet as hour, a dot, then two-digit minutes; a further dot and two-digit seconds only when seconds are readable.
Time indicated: 1.36
